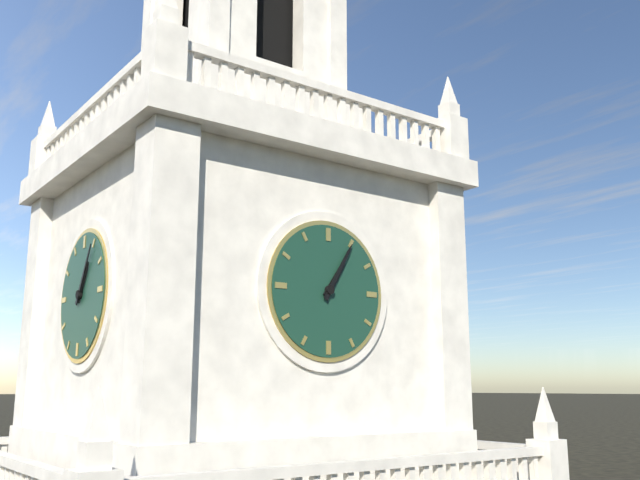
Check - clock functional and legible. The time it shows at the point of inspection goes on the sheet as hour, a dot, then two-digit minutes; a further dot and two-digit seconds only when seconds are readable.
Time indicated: 1.05
